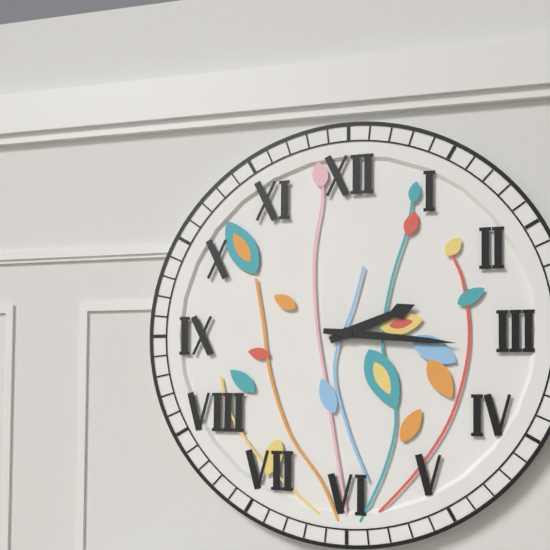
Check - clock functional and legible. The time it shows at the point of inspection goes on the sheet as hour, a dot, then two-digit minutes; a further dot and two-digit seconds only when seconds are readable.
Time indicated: 2.16
